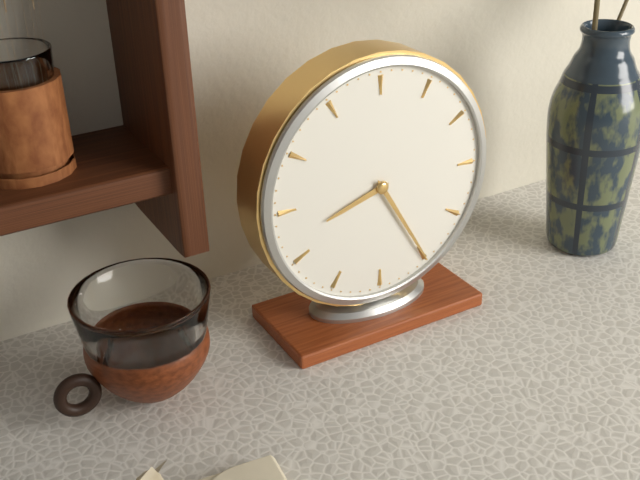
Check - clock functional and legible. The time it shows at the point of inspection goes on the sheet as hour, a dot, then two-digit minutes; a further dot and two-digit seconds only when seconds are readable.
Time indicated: 8.25
